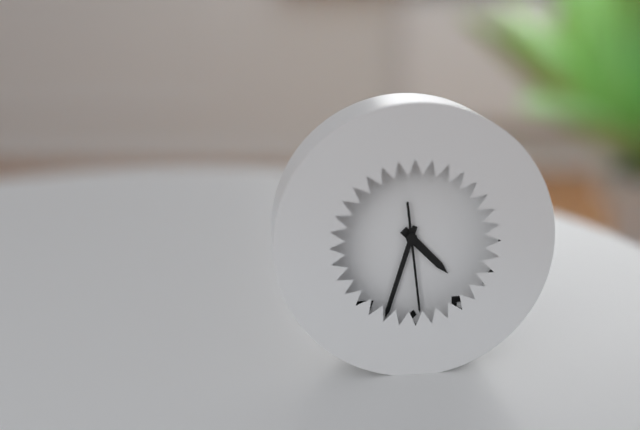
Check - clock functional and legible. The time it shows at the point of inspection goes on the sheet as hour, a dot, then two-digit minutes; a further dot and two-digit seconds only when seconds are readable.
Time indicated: 4.33.29
